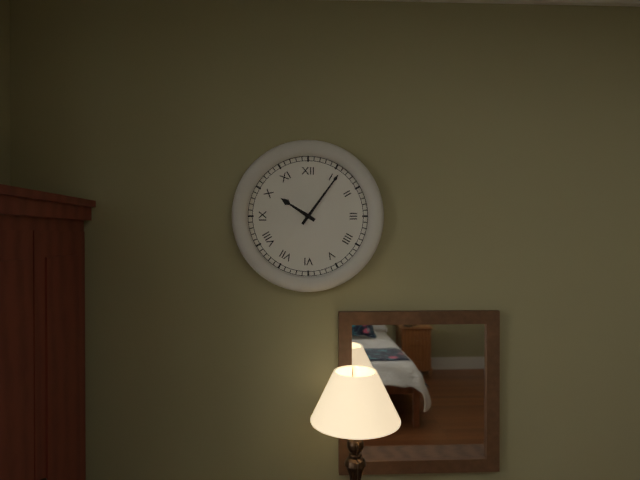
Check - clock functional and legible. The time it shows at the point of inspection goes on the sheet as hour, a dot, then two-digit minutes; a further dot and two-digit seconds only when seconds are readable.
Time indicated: 10.06
